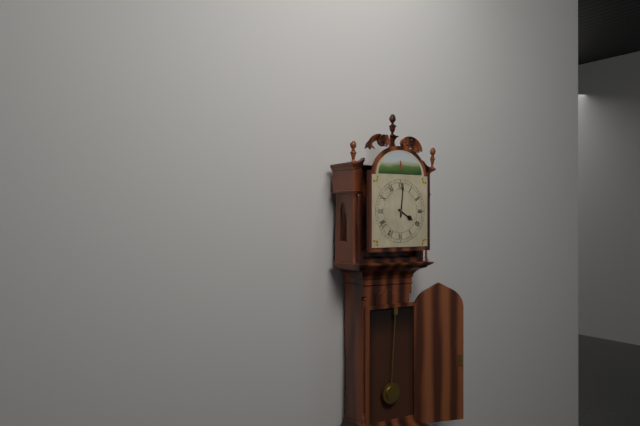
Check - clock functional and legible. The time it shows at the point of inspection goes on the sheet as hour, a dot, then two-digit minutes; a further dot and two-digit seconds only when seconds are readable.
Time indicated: 4.01
